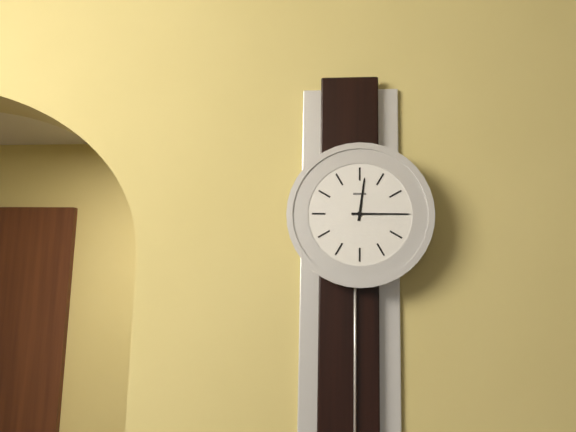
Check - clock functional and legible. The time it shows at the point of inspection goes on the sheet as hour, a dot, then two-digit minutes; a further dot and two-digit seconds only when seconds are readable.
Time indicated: 12.15
